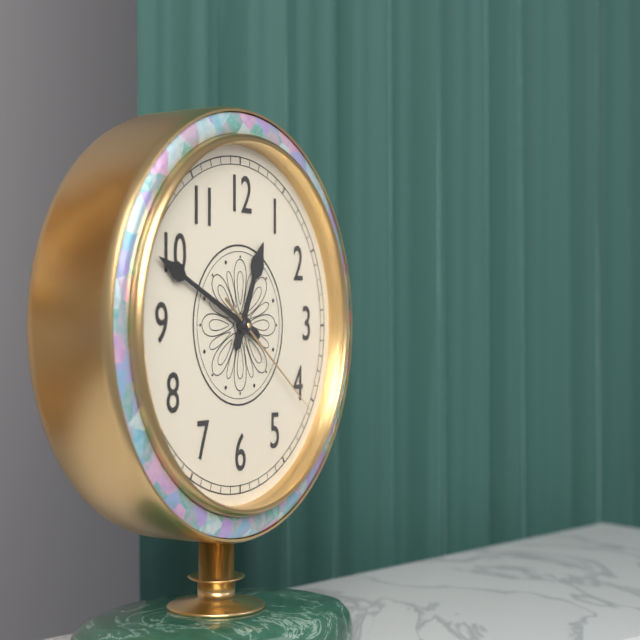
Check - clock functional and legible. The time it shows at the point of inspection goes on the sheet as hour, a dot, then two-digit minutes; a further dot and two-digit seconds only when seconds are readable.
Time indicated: 12.49.21
